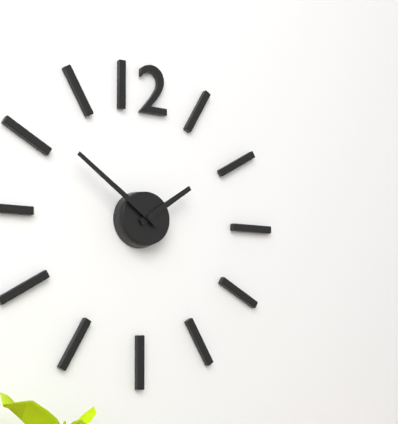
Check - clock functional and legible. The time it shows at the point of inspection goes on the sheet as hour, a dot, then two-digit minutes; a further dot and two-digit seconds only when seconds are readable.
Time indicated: 1.51
